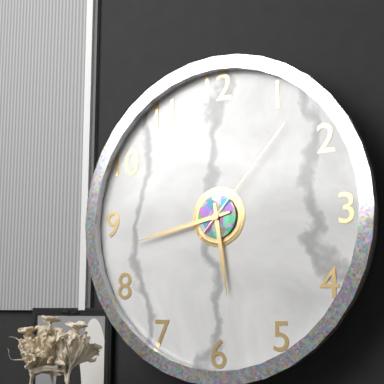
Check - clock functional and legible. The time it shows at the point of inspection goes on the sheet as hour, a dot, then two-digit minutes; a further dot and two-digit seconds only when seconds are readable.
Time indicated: 5.43.07
